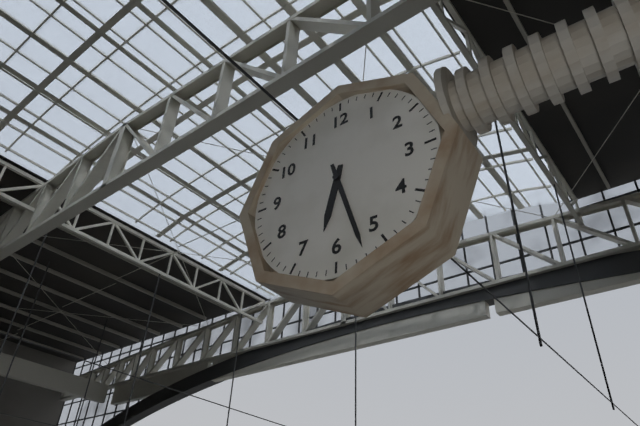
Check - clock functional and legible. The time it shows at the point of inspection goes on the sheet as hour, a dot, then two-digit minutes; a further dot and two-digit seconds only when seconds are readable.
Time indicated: 6.27
